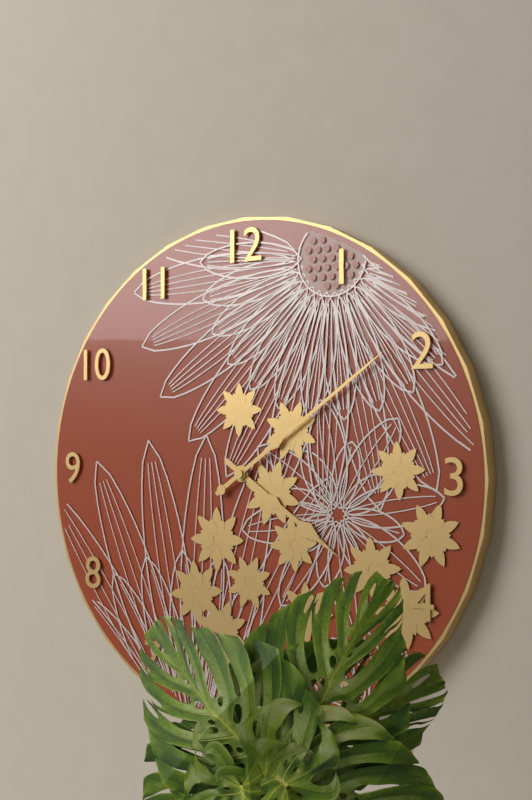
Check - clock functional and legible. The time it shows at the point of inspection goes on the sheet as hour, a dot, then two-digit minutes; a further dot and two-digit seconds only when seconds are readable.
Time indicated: 4.09
